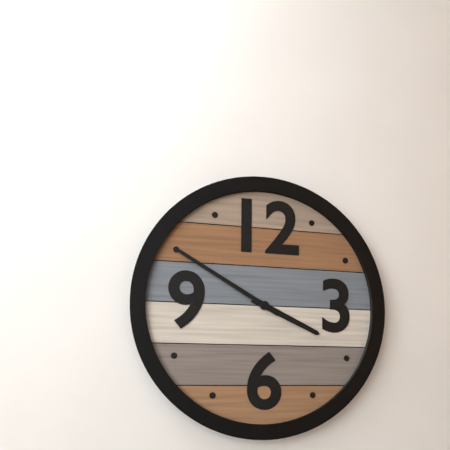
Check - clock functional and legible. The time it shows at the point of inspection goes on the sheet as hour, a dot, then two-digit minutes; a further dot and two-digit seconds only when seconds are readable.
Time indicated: 3.50
